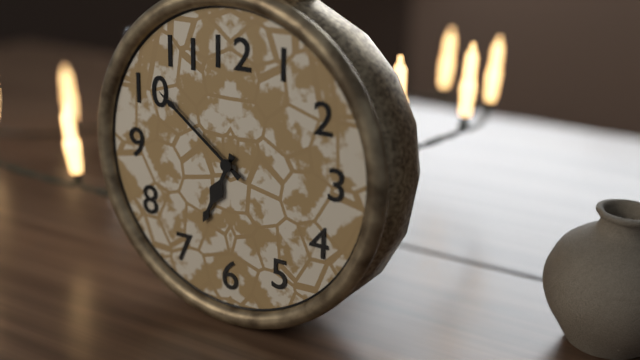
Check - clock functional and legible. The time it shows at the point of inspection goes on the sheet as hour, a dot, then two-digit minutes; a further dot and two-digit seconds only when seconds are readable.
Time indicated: 6.51
